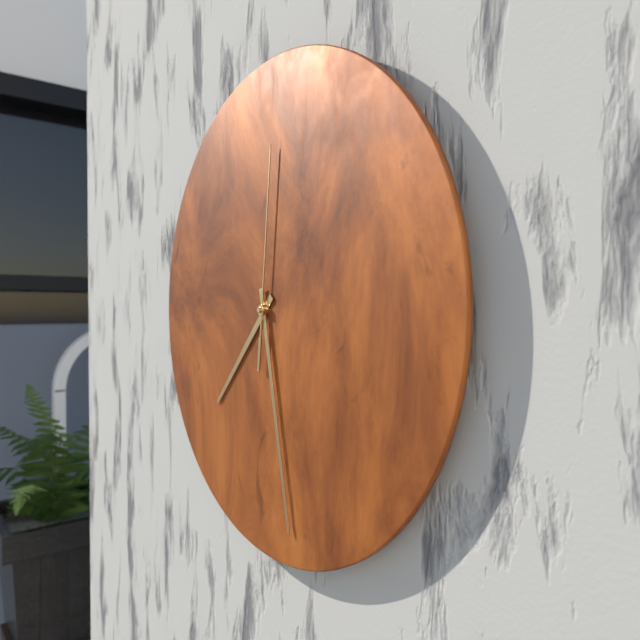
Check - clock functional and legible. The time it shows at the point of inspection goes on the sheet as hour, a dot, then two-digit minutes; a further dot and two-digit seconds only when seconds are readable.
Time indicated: 7.28.01
